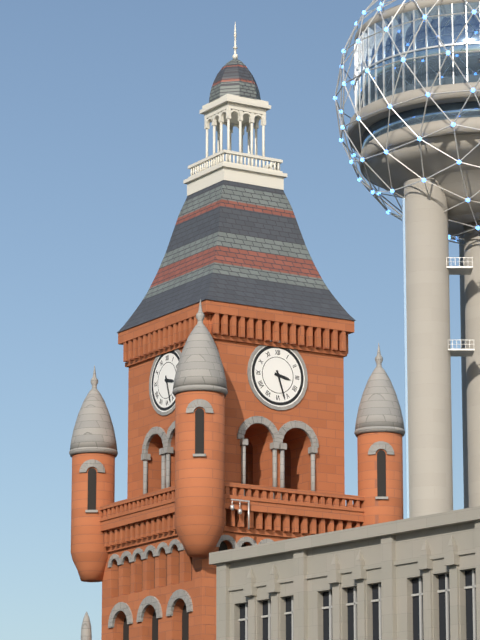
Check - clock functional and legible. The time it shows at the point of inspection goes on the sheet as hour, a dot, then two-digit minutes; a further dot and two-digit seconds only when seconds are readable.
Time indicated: 3.27
